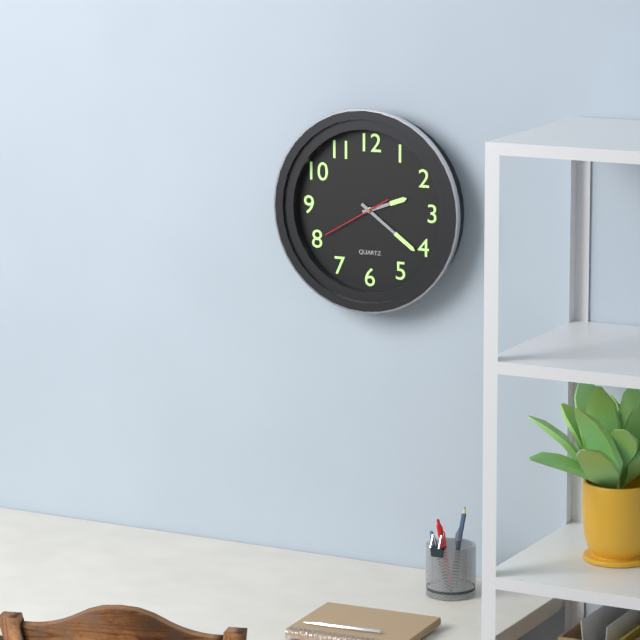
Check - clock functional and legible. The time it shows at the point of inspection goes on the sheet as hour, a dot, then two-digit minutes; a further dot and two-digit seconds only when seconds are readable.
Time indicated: 2.21.40
